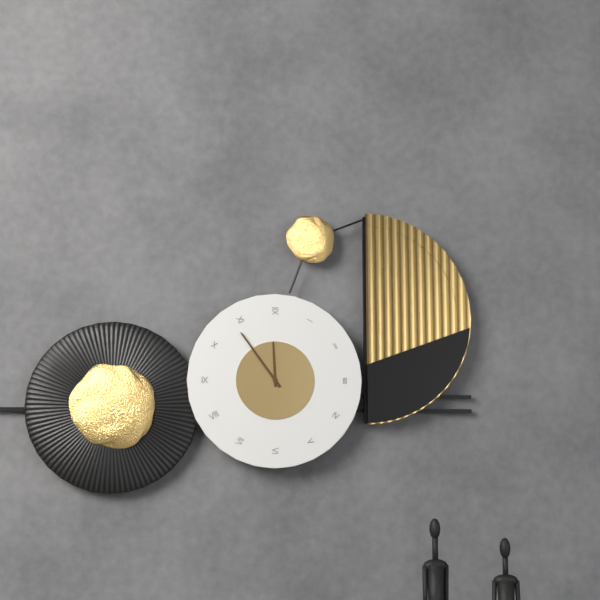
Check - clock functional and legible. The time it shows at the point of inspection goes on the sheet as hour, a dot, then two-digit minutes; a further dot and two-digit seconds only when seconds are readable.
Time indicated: 11.54
